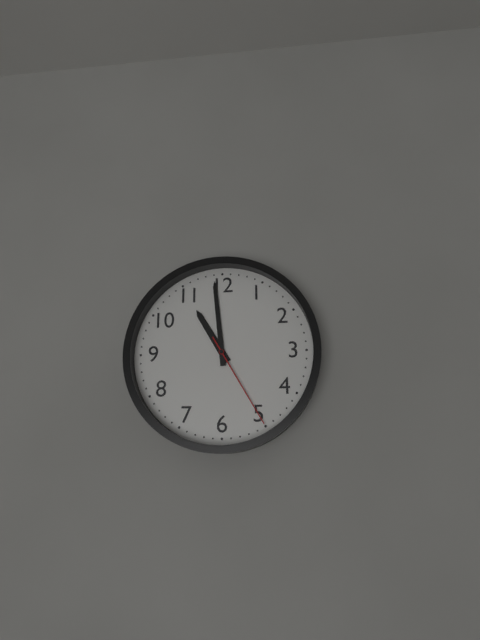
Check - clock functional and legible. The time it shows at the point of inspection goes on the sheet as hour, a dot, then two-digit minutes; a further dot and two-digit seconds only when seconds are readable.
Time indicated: 10.59.25
